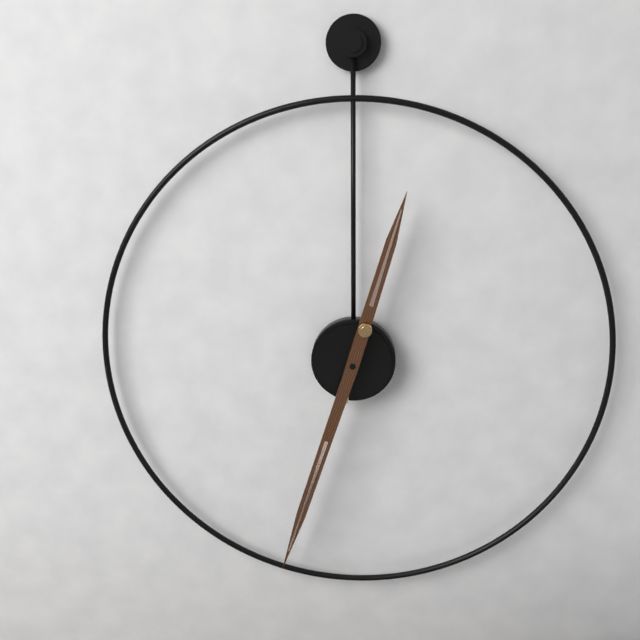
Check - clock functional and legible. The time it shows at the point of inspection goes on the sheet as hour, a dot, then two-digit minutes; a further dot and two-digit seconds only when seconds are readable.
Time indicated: 12.33
